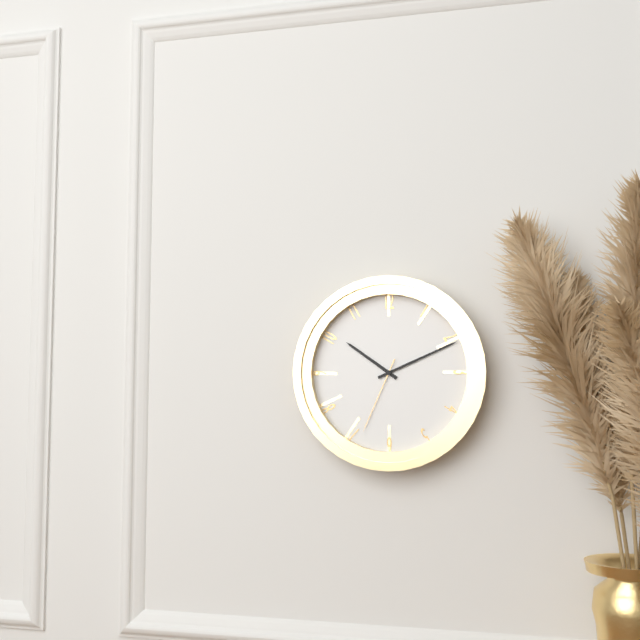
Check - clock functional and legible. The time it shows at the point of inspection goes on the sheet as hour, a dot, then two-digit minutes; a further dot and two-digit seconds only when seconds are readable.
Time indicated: 10.11.34
